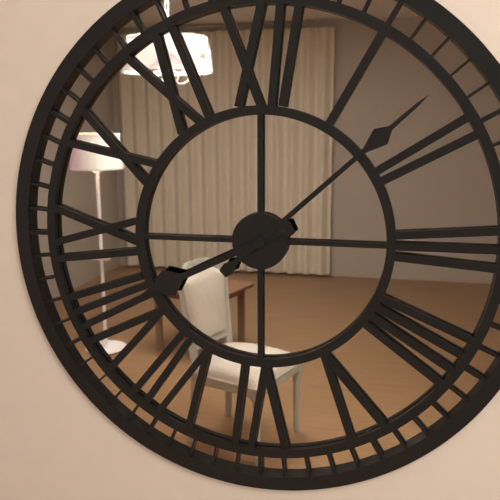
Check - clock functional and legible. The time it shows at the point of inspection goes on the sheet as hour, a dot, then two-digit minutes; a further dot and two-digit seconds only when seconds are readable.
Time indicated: 8.08
